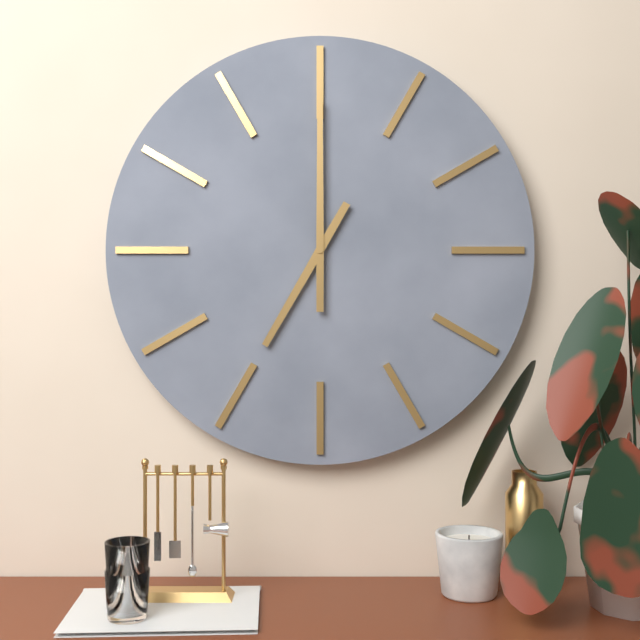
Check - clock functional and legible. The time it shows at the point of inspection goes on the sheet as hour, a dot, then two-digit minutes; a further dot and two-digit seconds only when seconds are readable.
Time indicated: 7.00
